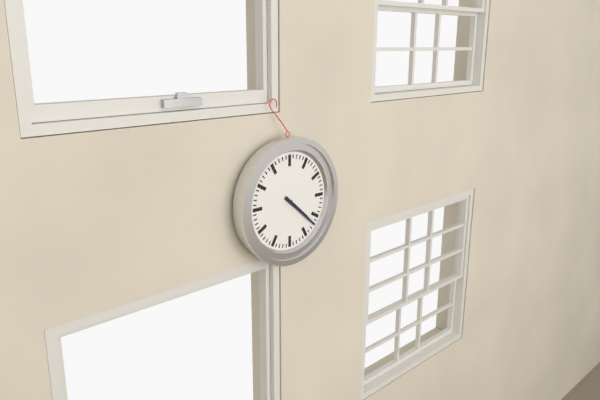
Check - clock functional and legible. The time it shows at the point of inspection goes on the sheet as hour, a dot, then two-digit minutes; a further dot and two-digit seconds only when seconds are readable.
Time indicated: 4.22
